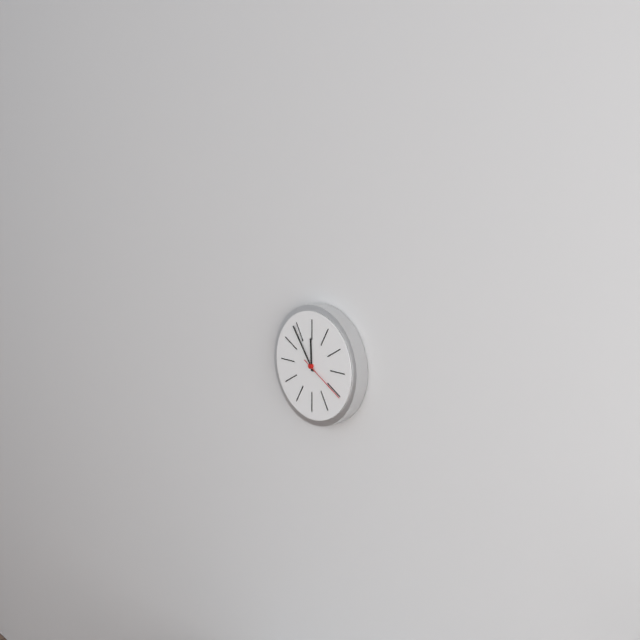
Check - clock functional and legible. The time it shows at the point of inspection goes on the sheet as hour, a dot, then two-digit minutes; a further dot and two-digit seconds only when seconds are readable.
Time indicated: 11.54.20
